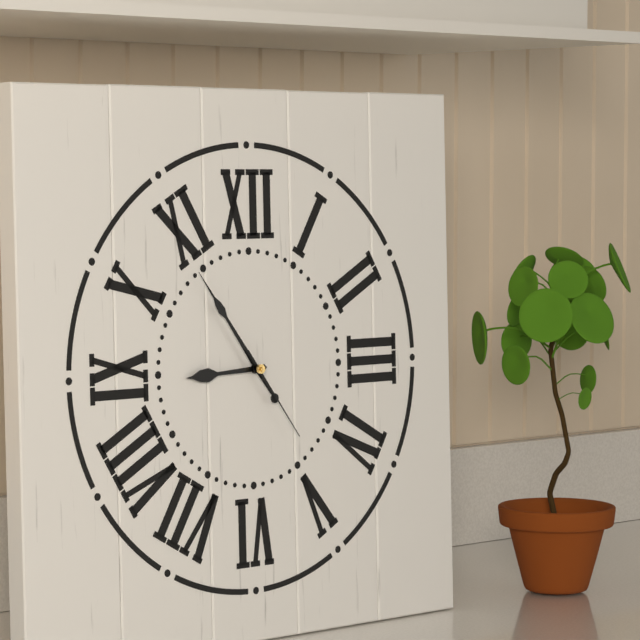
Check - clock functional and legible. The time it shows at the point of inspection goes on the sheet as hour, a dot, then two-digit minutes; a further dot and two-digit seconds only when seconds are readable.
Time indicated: 8.54.24
